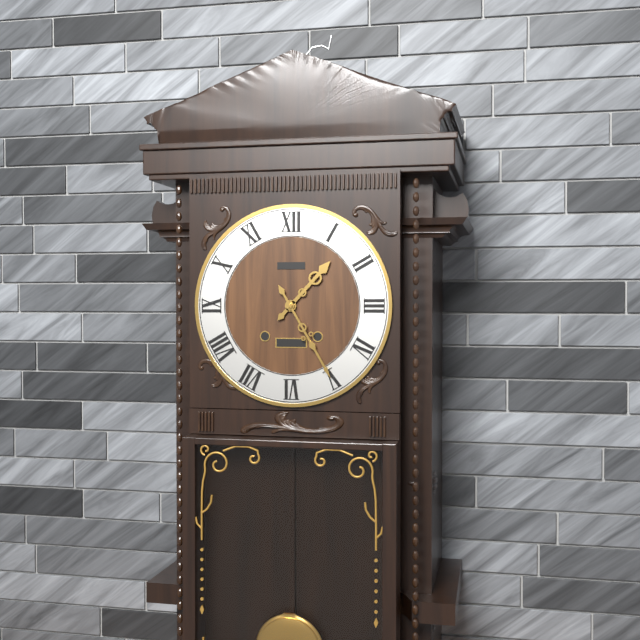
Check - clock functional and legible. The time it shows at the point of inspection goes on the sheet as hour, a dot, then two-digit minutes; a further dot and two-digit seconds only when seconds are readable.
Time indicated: 1.25
